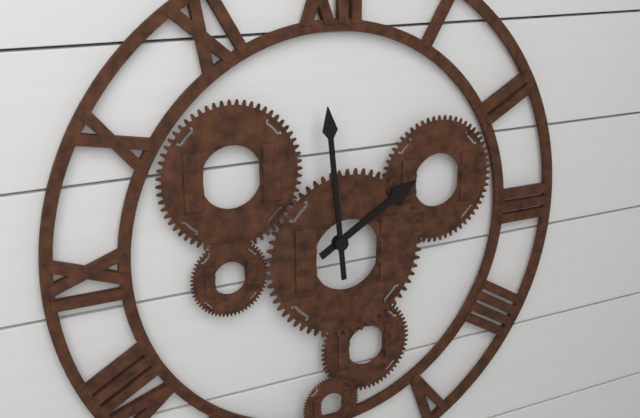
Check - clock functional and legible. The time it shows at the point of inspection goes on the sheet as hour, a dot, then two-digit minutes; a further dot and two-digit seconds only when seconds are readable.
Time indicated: 1.59
